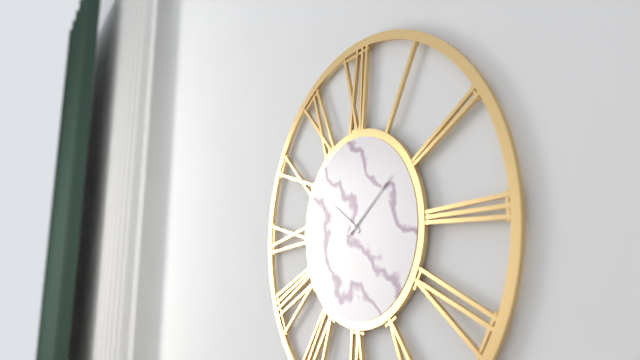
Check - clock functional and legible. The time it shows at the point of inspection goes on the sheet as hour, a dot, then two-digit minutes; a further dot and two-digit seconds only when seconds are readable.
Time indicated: 10.09
